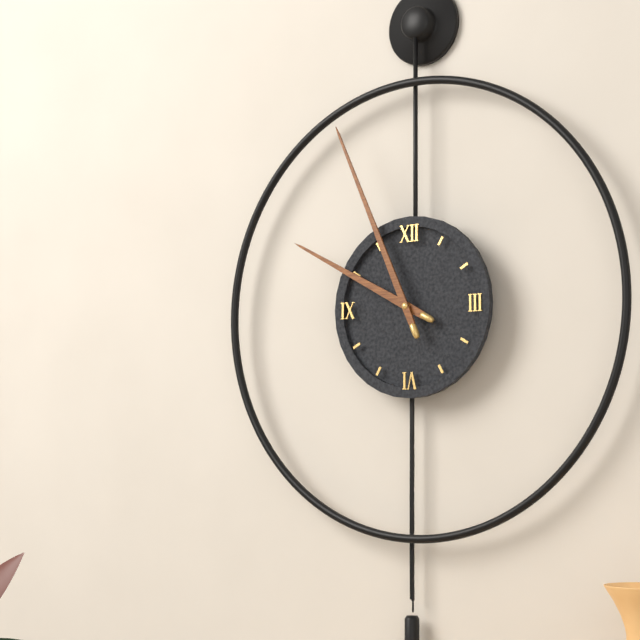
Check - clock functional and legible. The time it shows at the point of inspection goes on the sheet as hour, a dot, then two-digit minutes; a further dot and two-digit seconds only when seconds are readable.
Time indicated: 9.56
